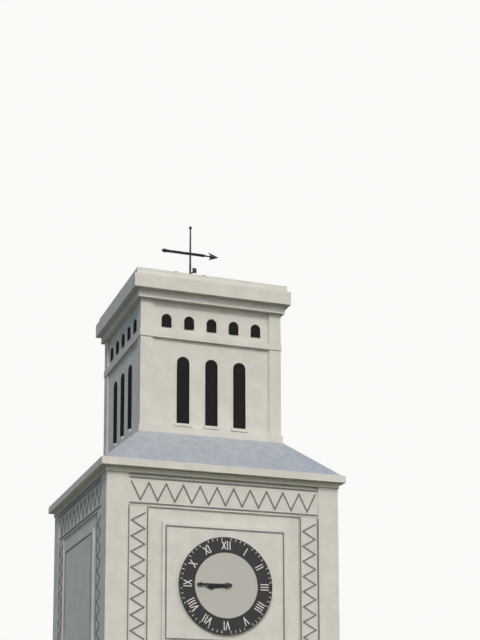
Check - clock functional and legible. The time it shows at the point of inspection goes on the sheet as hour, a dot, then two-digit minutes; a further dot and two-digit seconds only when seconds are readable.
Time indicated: 8.45
